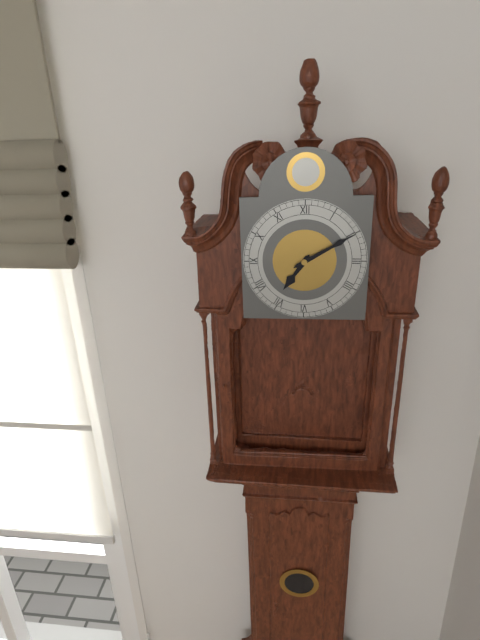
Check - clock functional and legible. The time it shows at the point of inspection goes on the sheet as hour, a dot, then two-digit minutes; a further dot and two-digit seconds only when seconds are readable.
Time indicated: 7.10
